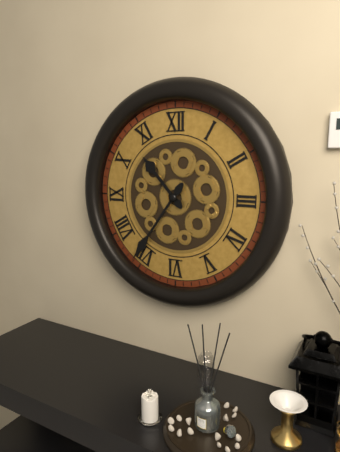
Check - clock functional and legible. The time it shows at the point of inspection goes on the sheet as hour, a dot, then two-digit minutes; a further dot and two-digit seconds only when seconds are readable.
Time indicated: 10.36
